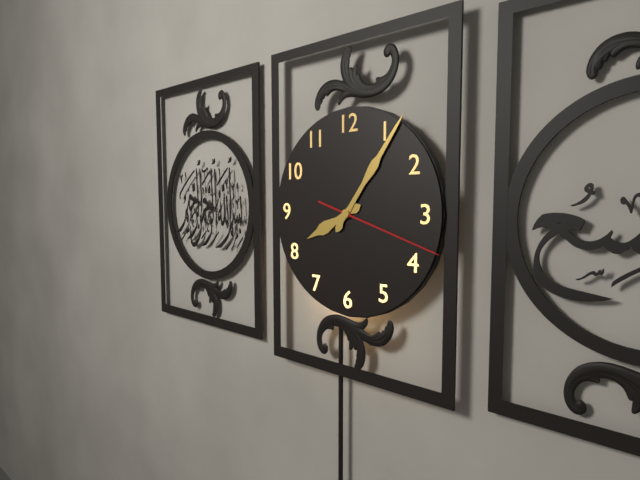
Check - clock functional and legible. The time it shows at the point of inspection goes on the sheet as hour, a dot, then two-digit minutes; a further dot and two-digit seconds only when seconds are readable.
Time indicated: 8.06.18
